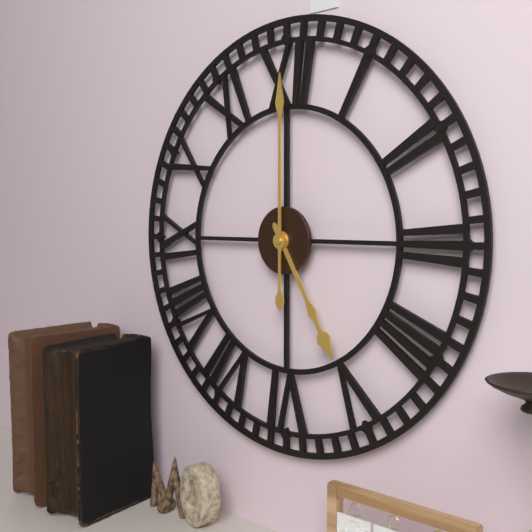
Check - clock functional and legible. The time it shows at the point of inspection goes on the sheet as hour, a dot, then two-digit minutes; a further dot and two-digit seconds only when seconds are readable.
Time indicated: 5.00
